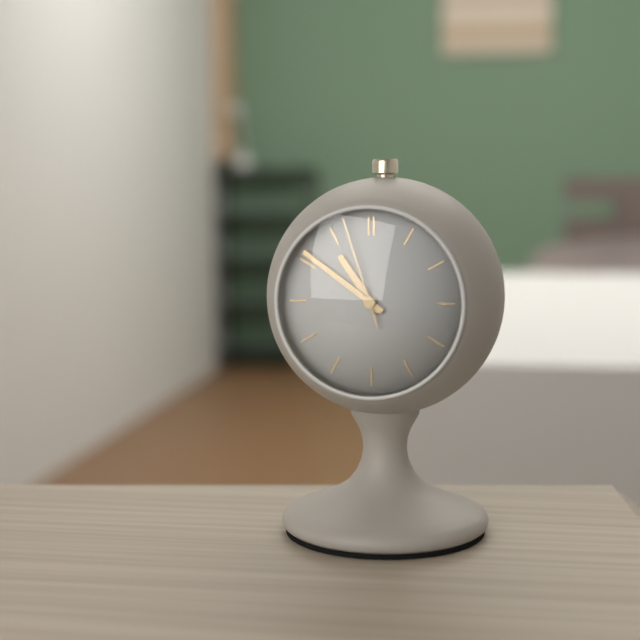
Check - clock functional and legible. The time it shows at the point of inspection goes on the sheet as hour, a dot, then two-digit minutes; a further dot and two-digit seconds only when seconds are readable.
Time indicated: 10.51.57
